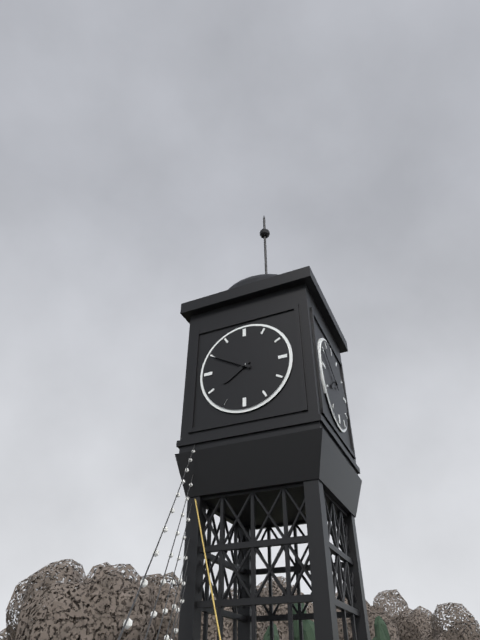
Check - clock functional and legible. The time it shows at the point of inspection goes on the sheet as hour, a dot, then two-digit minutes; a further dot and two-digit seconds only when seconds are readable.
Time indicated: 7.50
